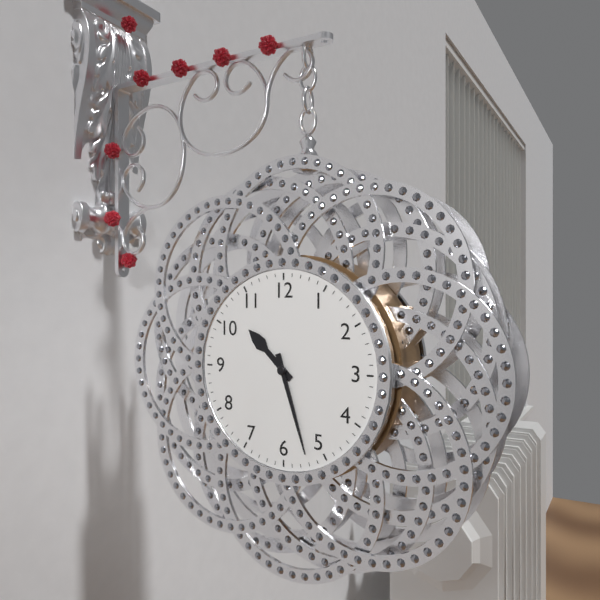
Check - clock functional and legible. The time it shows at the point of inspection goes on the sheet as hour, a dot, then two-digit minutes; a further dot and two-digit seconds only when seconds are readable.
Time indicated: 10.27
